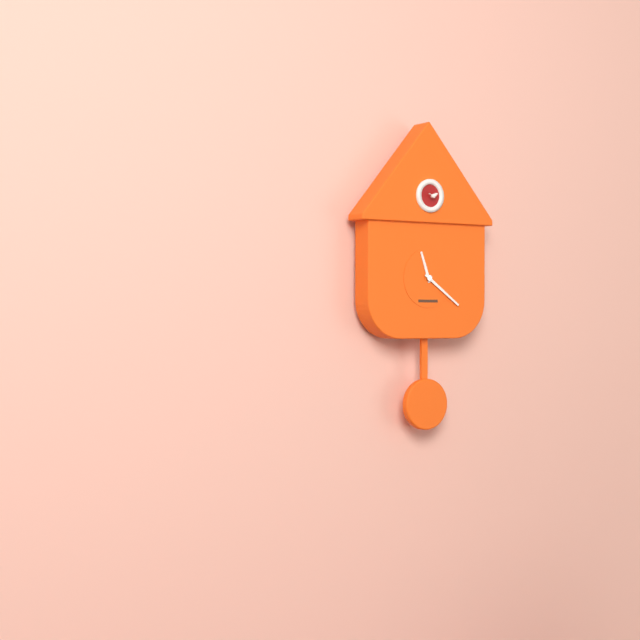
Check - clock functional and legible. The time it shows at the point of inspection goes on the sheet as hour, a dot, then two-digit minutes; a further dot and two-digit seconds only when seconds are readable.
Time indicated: 11.21
